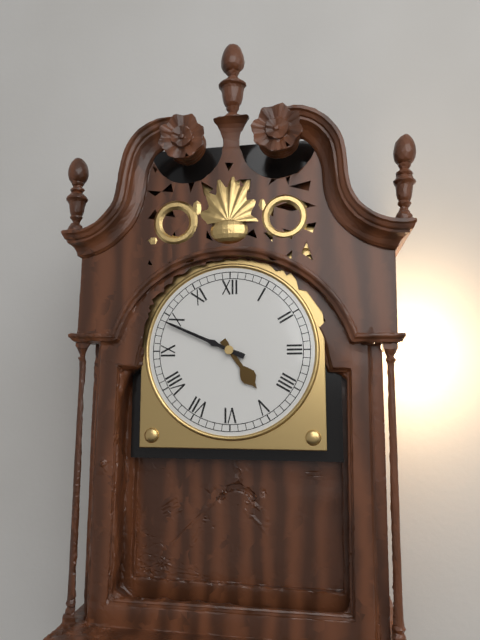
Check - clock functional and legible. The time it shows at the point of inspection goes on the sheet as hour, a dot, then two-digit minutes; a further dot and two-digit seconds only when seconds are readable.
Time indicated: 4.49
